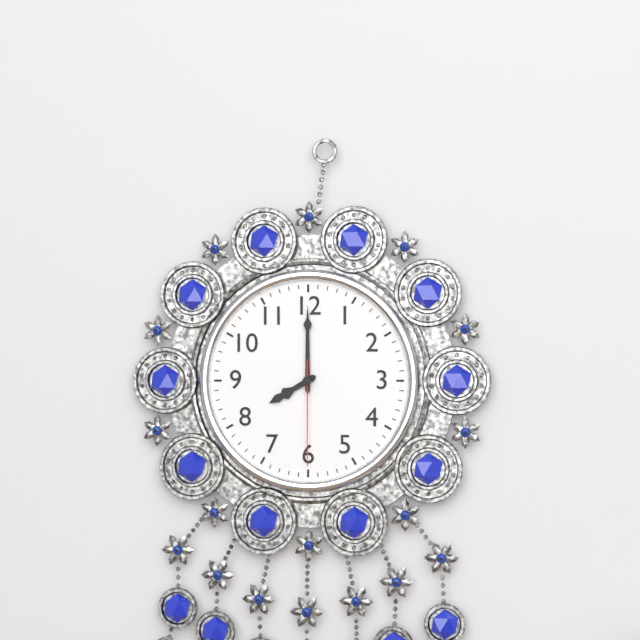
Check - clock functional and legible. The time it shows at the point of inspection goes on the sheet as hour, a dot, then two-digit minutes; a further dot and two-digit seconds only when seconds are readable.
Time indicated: 8.00.30
